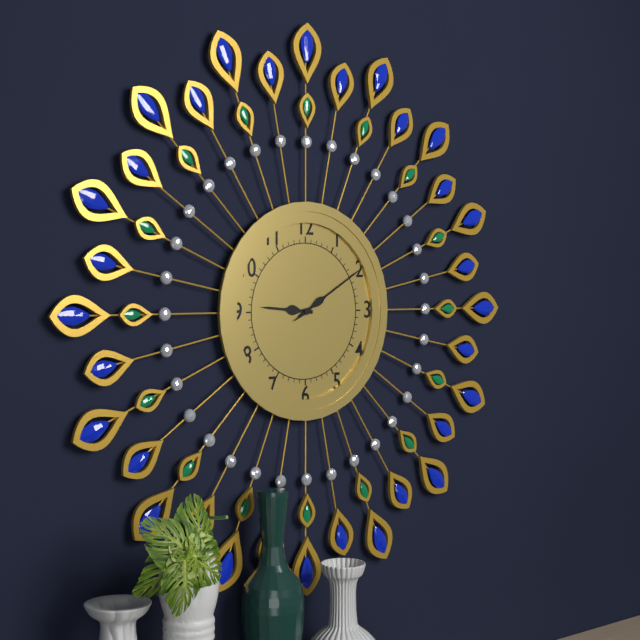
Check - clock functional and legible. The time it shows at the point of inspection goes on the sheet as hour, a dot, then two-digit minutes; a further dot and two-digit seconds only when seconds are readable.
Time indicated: 9.10.10
